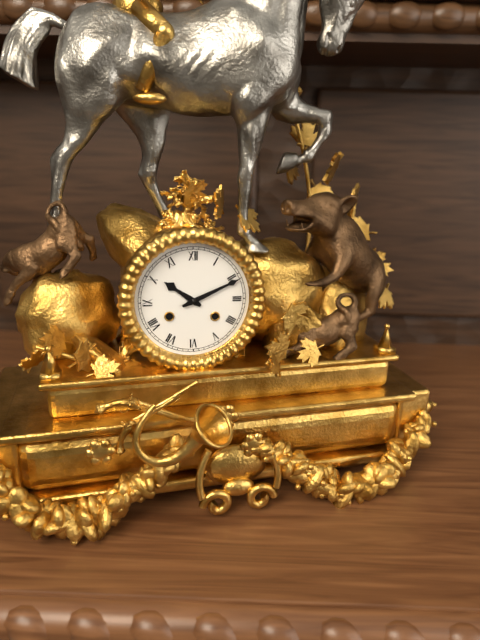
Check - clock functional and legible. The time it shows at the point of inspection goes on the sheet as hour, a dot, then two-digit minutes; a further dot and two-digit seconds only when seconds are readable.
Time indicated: 10.11
